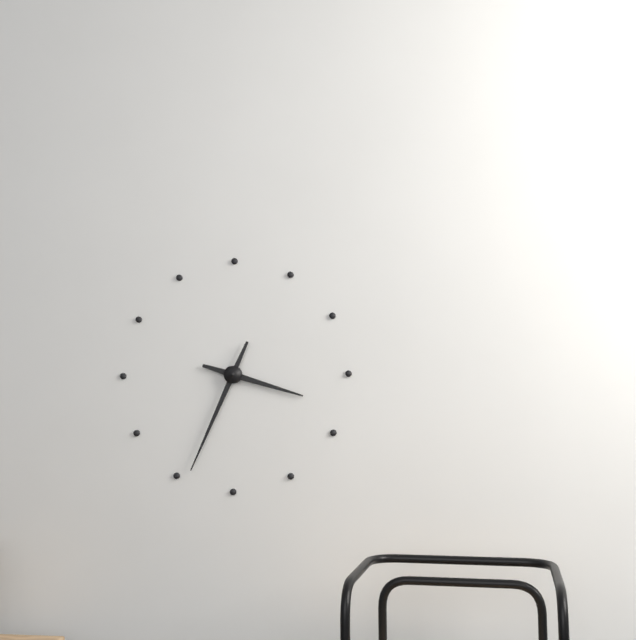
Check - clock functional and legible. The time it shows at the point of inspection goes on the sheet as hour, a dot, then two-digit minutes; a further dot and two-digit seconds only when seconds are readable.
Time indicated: 3.34
